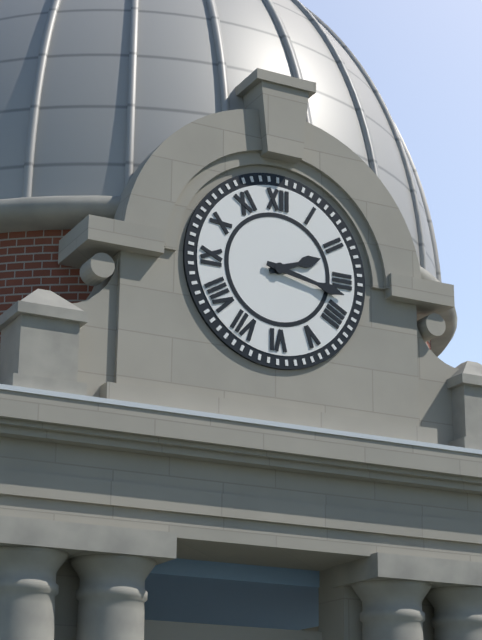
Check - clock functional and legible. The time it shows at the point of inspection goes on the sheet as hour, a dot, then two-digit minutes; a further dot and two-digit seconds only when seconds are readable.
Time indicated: 2.17
